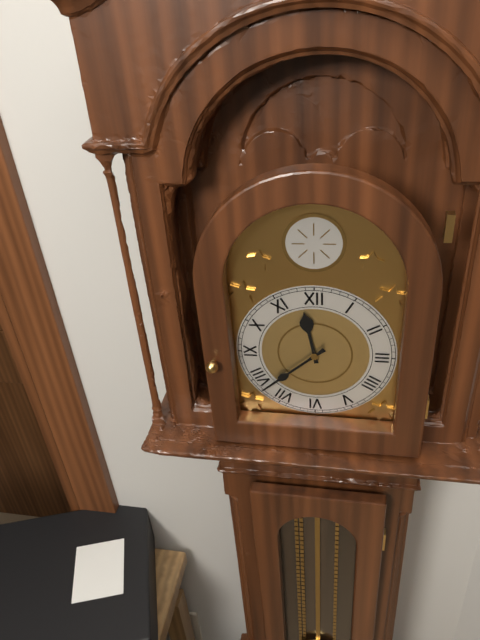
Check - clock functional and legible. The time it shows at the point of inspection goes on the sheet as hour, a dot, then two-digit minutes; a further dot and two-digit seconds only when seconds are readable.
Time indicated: 11.38
